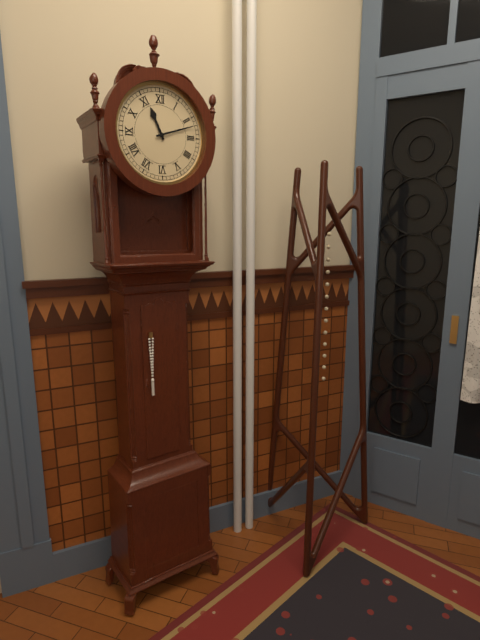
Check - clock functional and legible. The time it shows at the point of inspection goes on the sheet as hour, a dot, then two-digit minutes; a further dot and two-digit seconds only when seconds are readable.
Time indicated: 11.12
